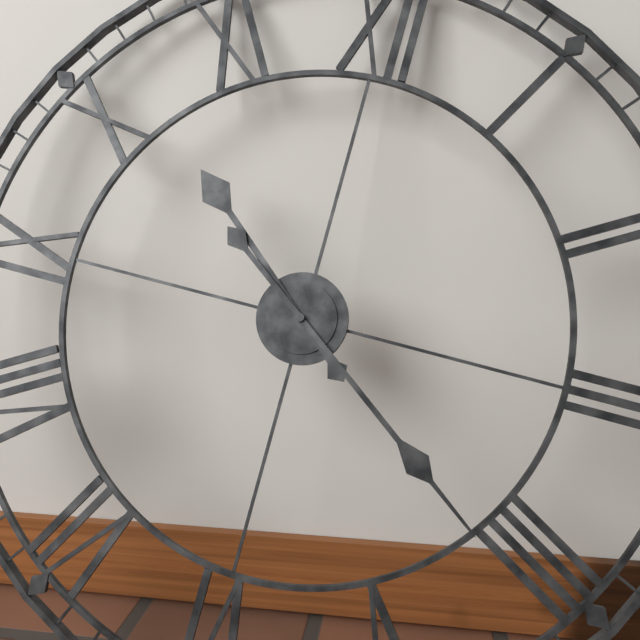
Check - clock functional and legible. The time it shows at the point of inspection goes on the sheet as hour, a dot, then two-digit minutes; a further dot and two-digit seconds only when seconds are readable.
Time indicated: 10.21
